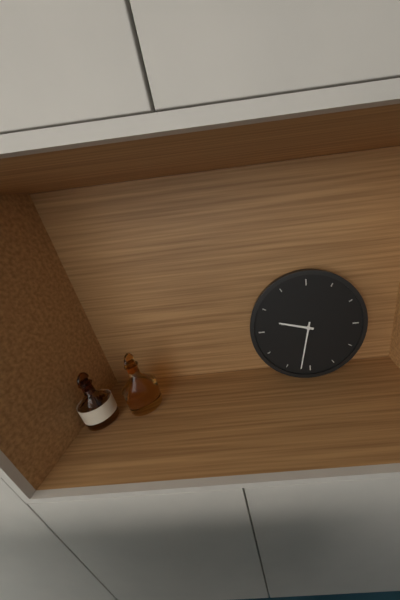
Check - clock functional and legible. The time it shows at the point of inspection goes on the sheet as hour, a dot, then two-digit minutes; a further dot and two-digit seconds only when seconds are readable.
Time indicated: 9.32
